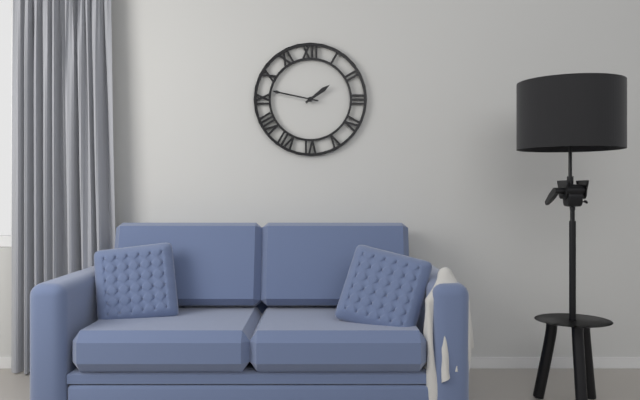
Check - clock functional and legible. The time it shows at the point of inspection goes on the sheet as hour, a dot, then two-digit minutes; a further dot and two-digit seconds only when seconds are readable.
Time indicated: 1.47
